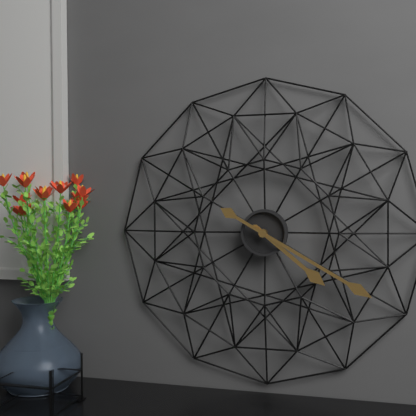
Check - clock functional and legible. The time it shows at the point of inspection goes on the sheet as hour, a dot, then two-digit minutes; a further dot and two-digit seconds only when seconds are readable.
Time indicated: 4.20
